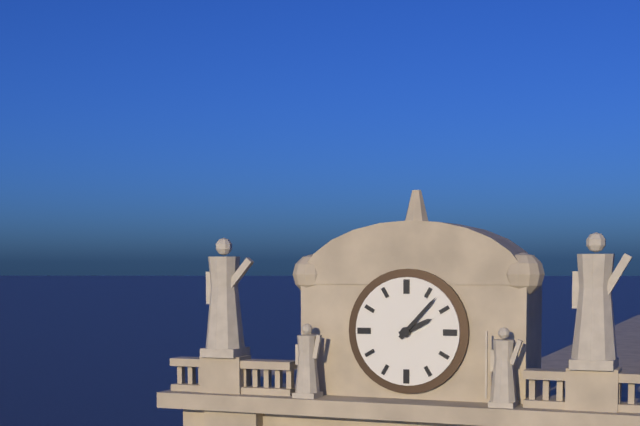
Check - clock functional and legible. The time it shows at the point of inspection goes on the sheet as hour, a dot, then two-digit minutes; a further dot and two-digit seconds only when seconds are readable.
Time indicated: 2.07
